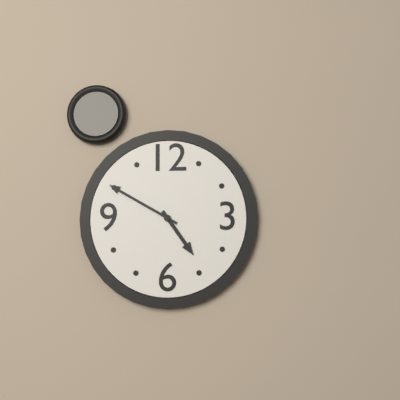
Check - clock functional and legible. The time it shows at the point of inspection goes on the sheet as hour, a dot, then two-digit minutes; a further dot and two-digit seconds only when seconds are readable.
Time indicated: 4.50
